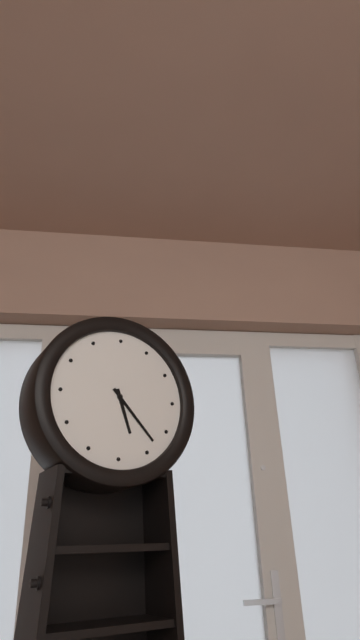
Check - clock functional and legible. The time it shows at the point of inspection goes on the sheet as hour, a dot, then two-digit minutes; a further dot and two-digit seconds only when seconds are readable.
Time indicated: 5.23
